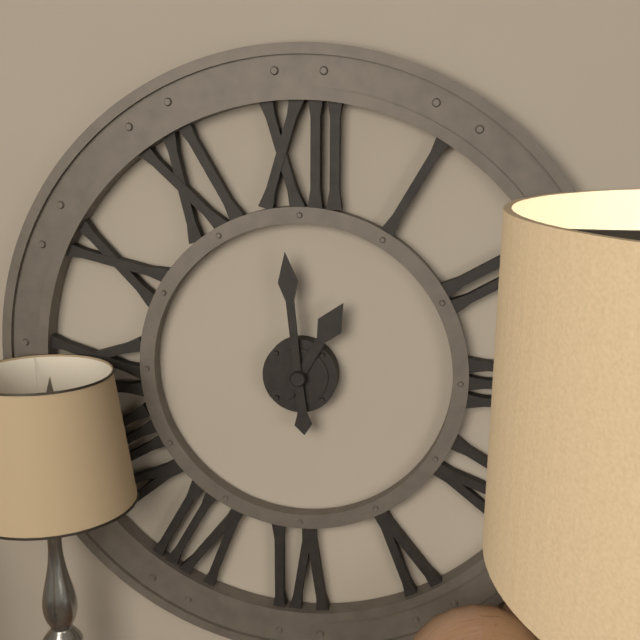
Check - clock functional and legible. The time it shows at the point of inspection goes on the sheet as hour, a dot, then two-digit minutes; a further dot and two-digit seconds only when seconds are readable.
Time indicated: 12.59
